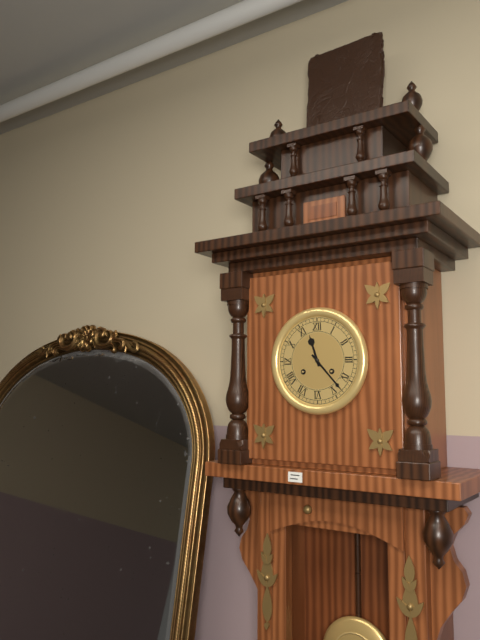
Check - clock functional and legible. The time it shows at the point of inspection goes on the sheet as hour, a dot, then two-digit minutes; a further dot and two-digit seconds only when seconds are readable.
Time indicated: 11.23
